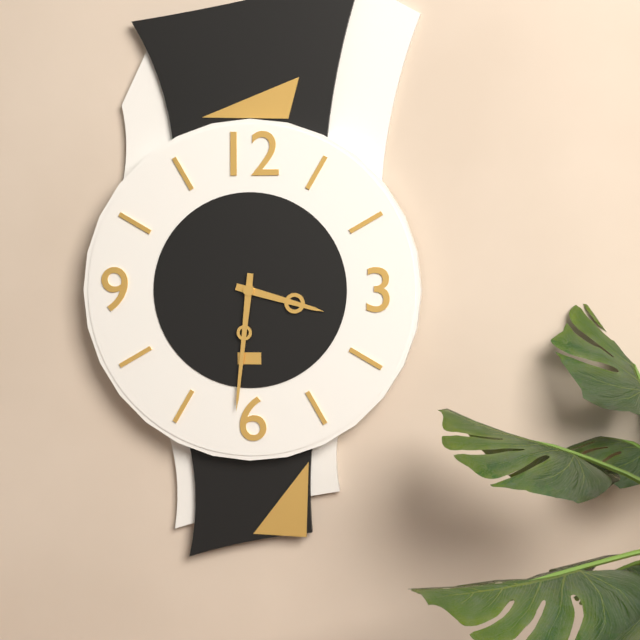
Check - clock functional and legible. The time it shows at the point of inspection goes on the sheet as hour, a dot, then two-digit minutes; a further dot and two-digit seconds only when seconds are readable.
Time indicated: 3.31
